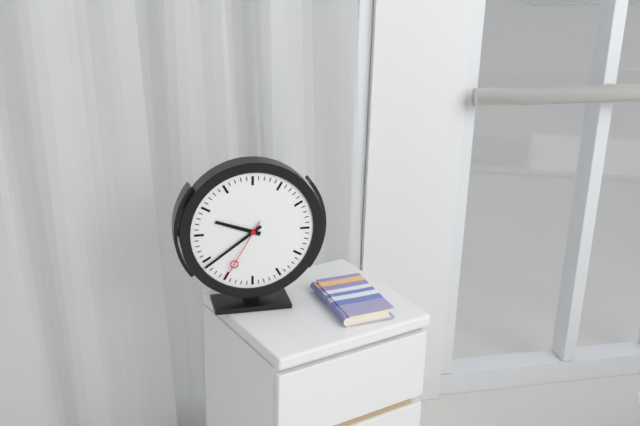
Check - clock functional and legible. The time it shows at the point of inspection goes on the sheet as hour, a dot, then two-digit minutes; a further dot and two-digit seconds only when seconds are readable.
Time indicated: 9.39.35
